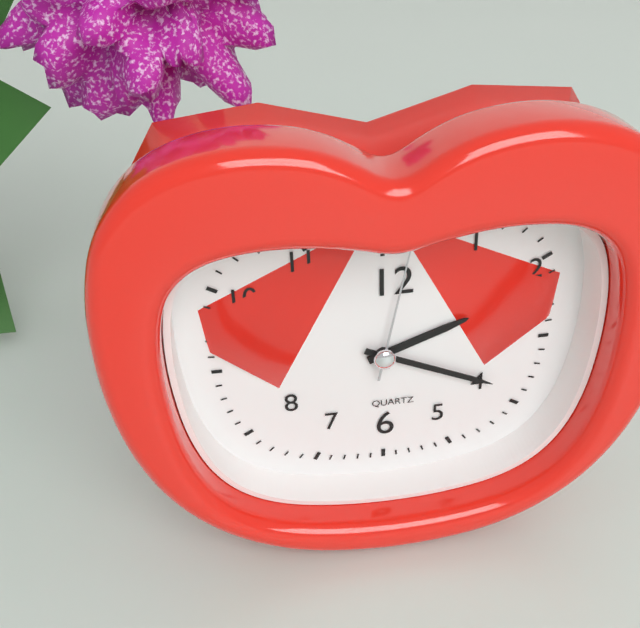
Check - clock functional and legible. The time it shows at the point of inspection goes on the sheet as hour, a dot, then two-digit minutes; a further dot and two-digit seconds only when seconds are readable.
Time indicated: 2.19.02
